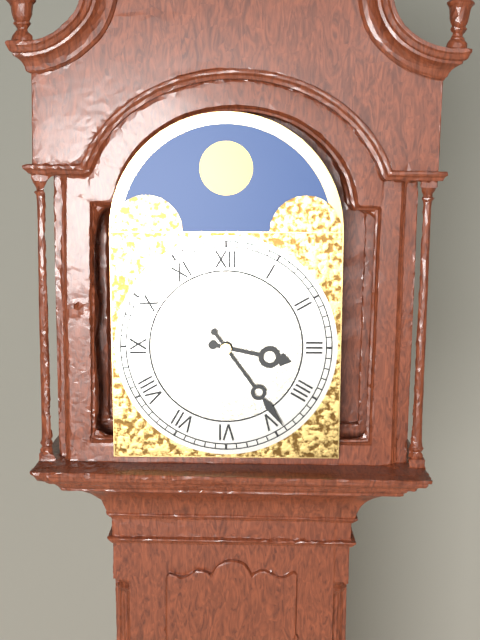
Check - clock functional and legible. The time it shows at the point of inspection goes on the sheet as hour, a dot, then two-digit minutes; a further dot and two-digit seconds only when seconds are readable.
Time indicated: 3.24
